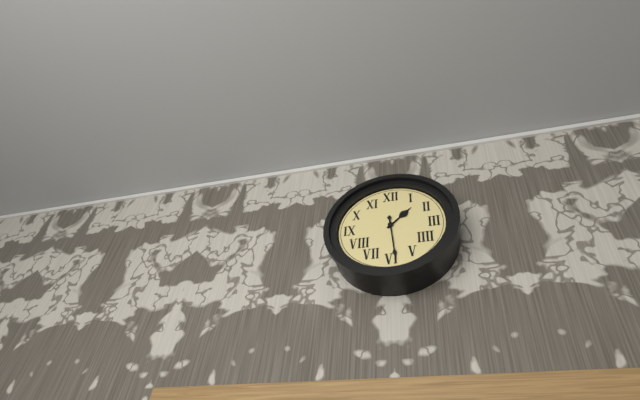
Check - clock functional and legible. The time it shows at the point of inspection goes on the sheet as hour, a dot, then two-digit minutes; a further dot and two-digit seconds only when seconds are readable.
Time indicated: 1.29
